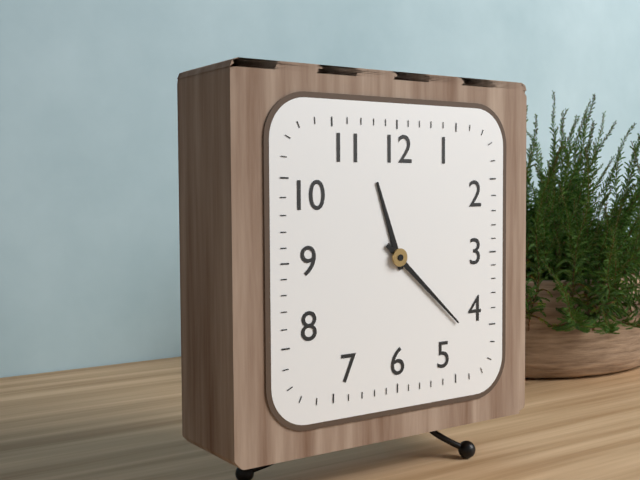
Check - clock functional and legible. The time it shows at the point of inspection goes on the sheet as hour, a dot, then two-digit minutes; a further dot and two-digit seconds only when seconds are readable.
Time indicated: 11.22
